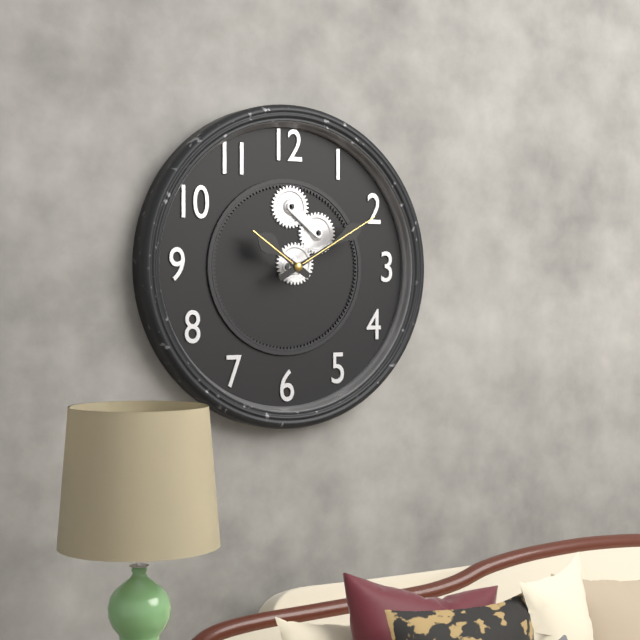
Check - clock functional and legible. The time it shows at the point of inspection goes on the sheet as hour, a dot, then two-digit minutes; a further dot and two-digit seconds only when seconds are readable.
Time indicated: 10.10
